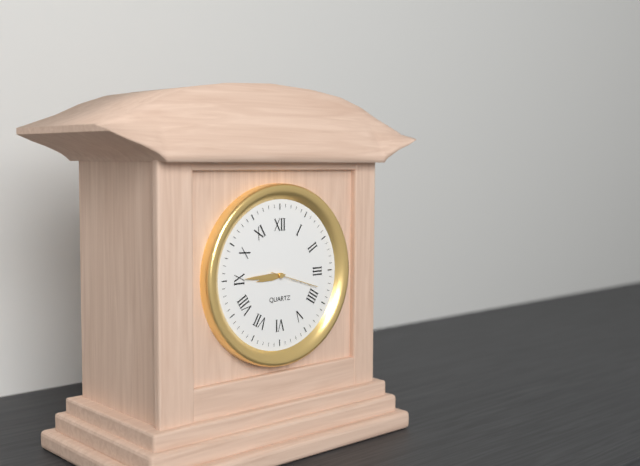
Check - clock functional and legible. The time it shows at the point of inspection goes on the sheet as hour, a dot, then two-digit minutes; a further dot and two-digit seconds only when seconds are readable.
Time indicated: 8.45
